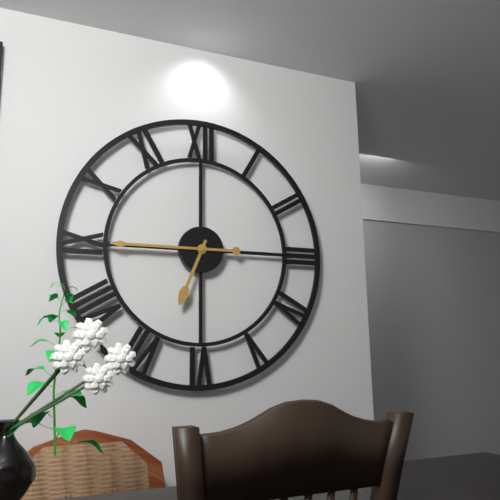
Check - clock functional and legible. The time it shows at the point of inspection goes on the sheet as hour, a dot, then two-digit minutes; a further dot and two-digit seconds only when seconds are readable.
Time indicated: 6.45
